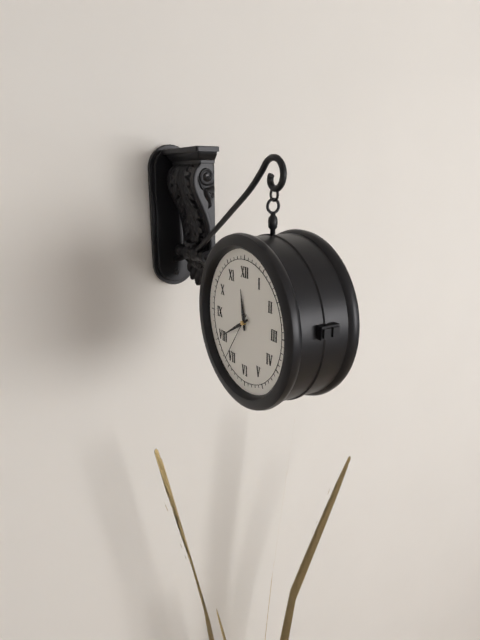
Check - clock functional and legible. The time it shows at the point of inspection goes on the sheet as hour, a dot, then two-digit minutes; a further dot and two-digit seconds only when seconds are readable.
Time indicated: 11.40
